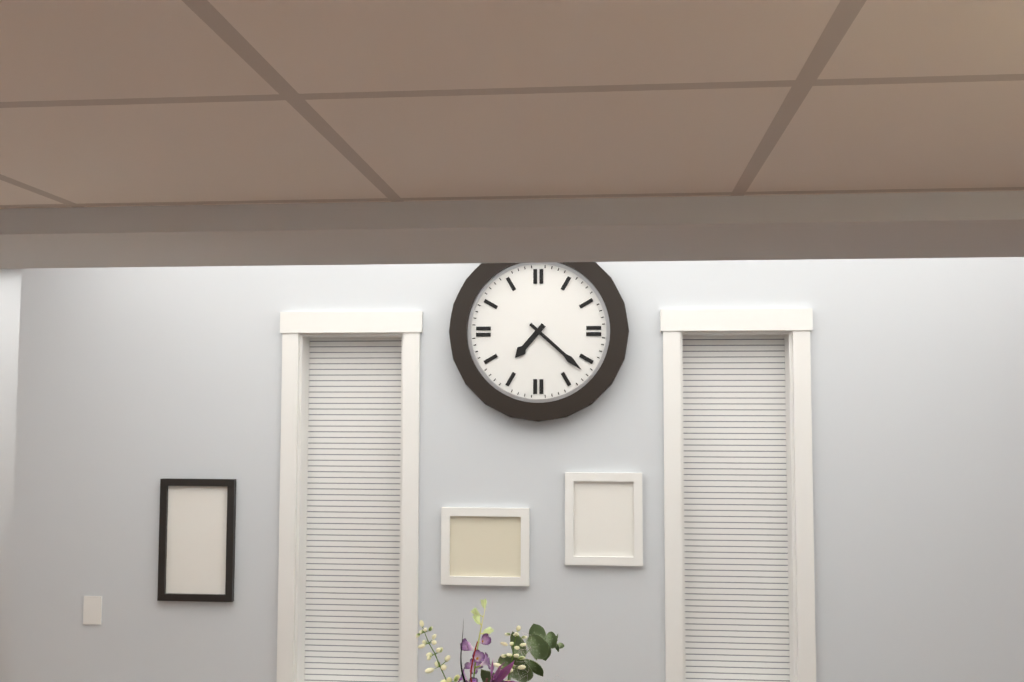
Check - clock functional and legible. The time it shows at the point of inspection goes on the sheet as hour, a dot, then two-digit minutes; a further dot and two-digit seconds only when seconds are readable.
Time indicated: 7.22
